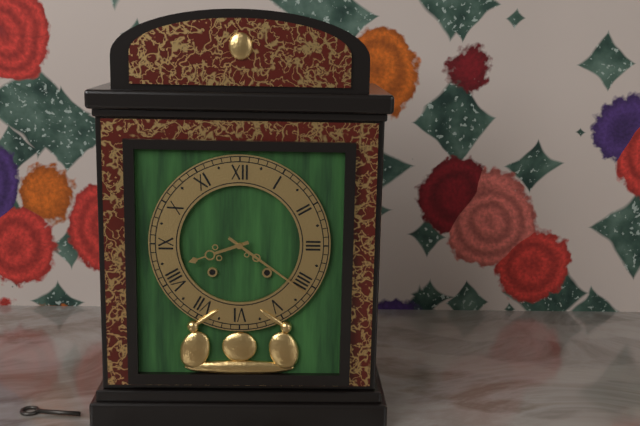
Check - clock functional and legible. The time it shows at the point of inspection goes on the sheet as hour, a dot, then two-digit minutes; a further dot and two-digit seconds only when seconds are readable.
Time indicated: 8.21
